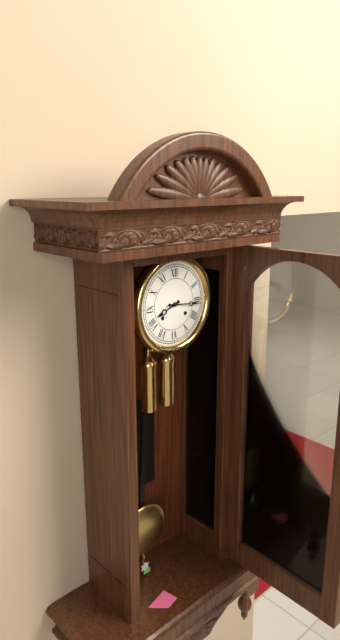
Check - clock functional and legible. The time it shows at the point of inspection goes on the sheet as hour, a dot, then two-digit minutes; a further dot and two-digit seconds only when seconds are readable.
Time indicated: 8.16
